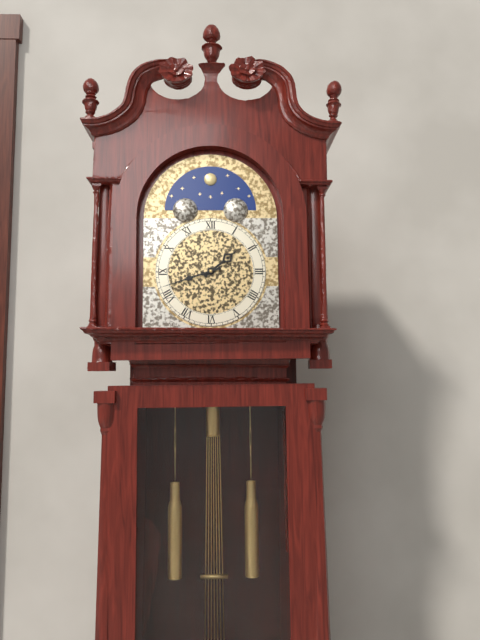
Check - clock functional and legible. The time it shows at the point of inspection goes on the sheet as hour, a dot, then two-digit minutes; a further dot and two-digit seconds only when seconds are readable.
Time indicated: 1.42
